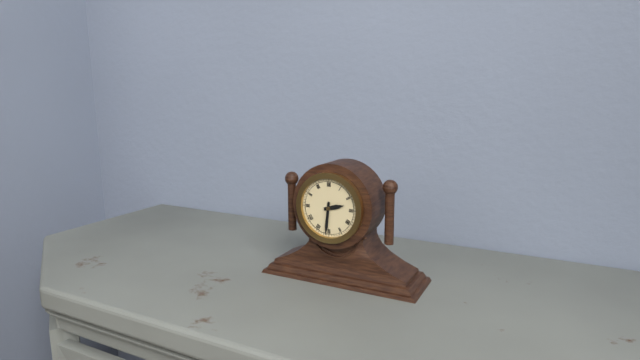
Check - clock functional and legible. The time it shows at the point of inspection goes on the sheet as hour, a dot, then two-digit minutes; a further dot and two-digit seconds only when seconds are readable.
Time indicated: 2.31
